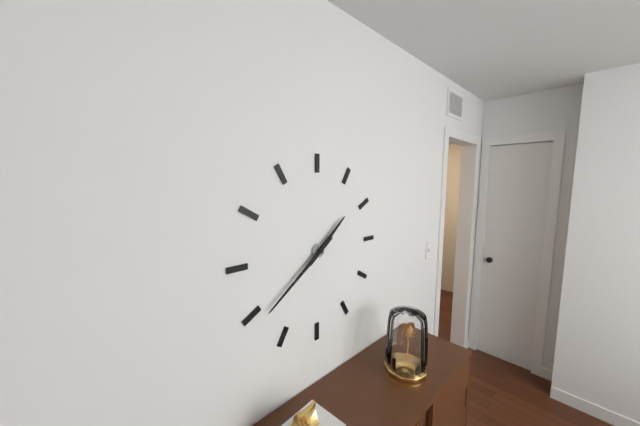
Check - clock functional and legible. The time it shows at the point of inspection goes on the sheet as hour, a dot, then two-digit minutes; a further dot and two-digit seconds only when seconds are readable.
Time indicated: 1.39
